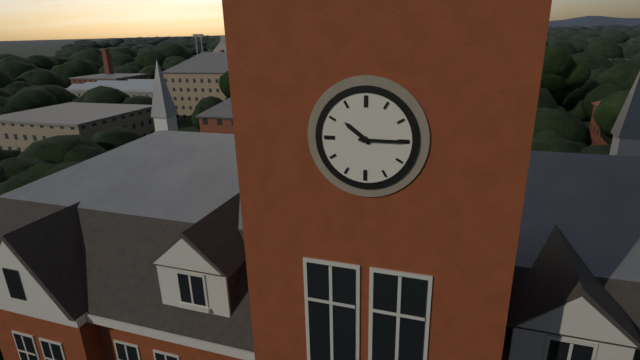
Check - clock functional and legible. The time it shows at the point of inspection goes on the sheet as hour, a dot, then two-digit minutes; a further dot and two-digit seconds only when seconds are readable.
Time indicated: 10.15
